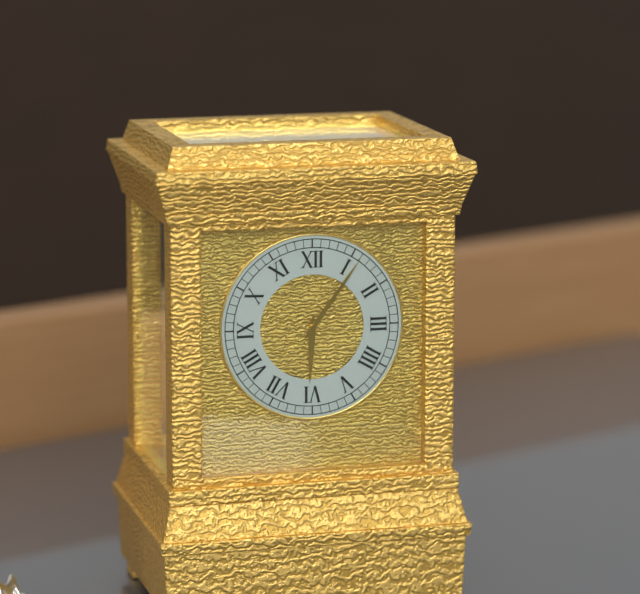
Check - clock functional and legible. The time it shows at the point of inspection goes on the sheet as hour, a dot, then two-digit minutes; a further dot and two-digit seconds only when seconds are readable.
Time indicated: 6.06
